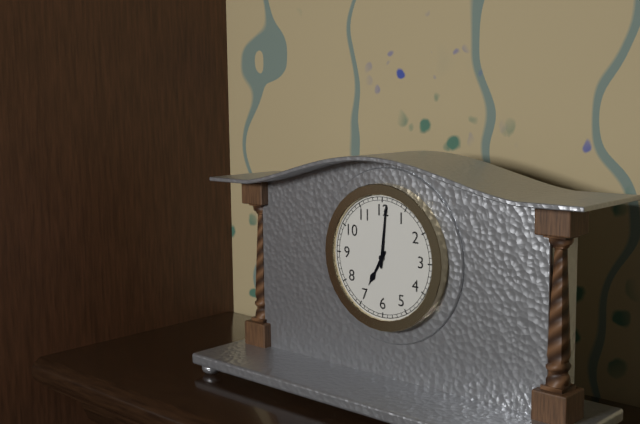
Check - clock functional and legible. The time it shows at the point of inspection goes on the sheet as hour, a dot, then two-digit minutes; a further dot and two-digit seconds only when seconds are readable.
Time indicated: 7.01
